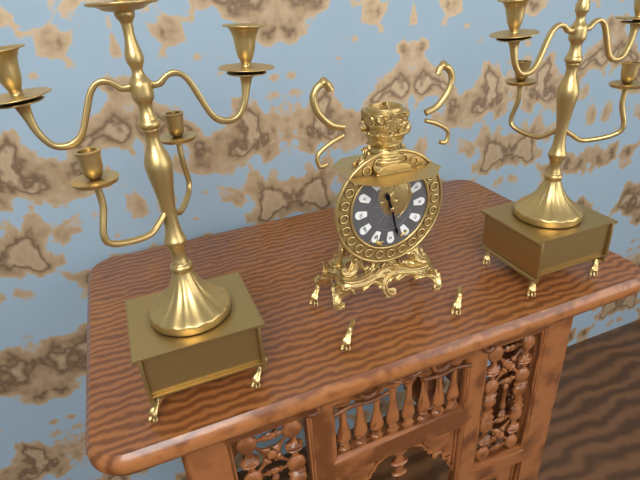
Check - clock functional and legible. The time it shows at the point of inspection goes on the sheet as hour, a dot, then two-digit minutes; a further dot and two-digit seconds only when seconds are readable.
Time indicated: 11.28
